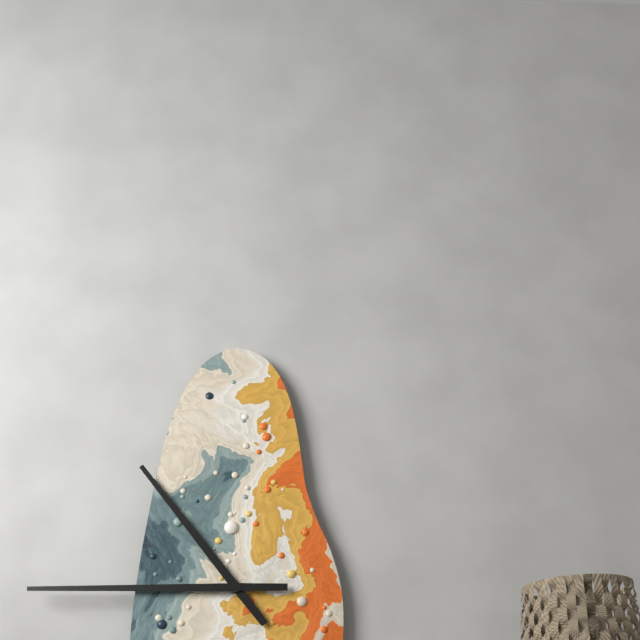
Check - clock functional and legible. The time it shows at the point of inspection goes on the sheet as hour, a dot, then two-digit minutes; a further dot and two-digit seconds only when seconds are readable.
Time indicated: 10.45
